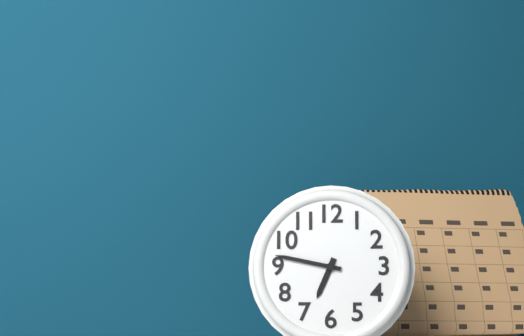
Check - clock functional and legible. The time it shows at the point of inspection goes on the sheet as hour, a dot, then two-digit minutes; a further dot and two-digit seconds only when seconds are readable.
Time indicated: 6.47
